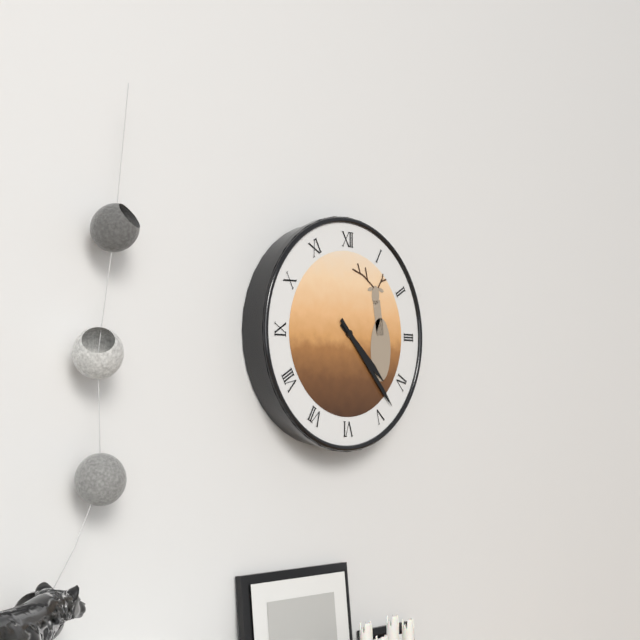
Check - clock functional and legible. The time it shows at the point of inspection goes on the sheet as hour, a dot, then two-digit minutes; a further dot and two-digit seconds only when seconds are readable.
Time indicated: 4.23
